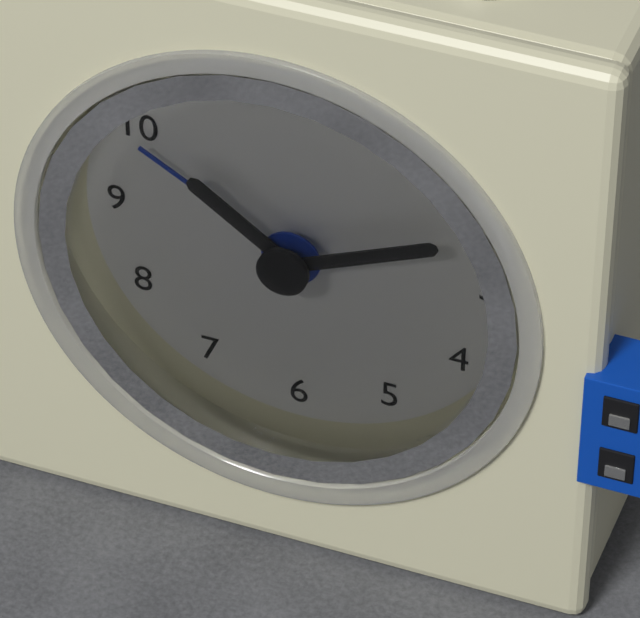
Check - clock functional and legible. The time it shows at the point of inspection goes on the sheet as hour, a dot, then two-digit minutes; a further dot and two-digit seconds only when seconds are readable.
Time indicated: 10.11.50
